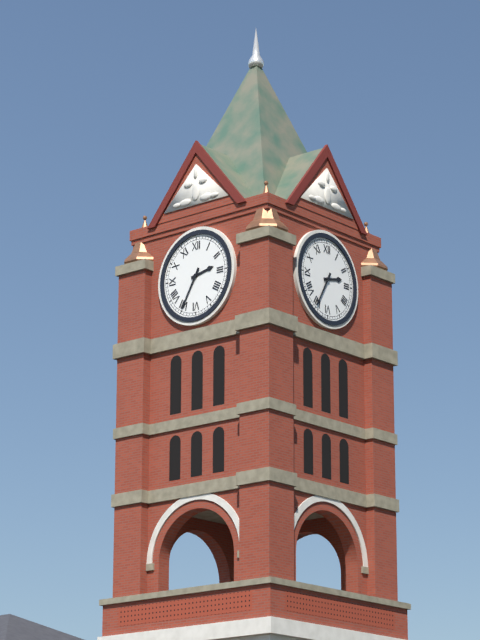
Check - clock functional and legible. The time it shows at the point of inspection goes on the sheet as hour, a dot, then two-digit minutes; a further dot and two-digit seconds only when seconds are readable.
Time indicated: 2.35
